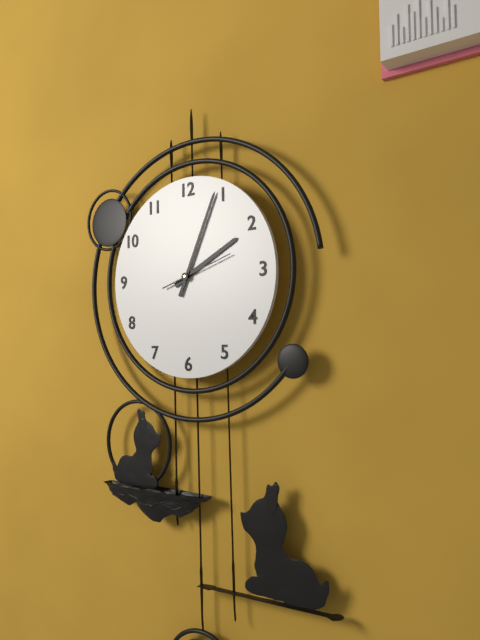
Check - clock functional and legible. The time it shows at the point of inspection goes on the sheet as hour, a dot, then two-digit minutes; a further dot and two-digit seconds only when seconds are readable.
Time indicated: 2.04.12
